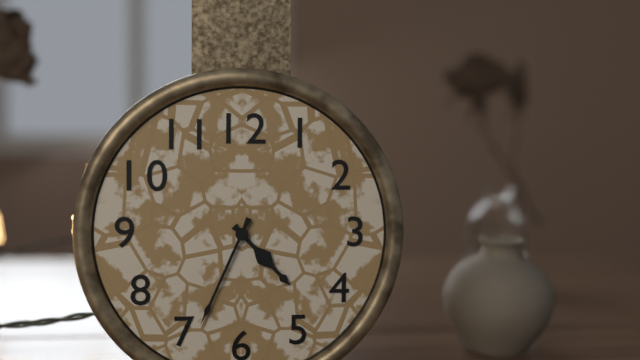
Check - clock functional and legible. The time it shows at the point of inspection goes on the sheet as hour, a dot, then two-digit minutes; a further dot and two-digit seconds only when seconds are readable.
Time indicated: 4.34
